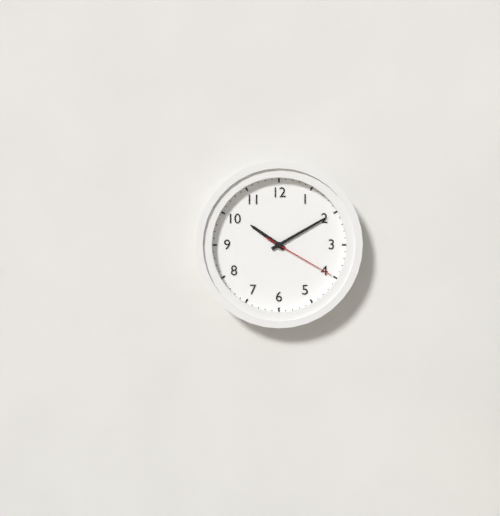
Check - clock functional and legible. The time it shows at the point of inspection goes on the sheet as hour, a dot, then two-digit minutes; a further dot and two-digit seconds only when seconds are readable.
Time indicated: 10.10.20
